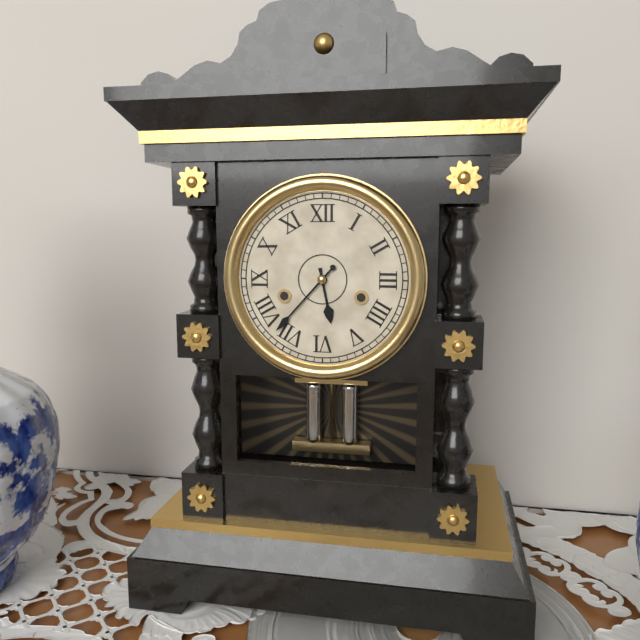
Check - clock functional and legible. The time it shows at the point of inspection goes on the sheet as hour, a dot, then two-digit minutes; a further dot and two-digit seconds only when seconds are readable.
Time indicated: 5.37
